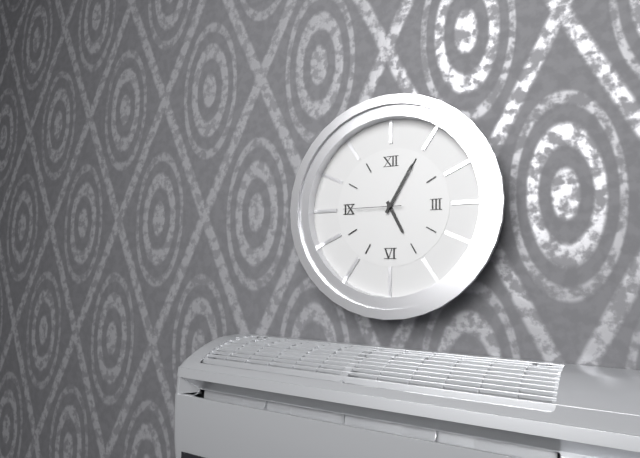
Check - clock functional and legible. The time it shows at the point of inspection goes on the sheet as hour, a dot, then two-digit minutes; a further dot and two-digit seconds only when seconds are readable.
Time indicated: 5.05.45
